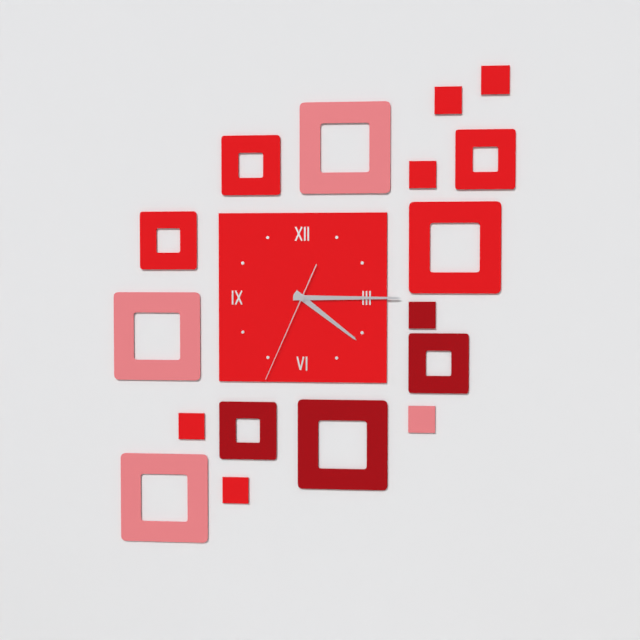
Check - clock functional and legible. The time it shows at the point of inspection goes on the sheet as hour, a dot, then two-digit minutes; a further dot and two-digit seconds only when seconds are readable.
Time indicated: 4.15.34
